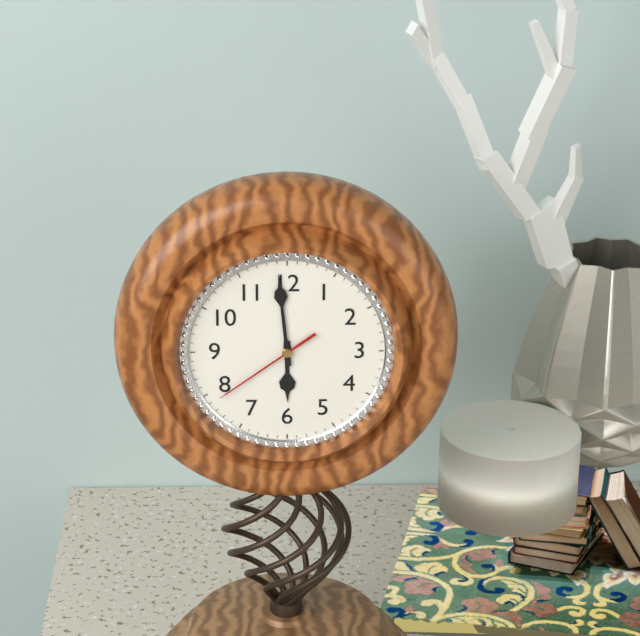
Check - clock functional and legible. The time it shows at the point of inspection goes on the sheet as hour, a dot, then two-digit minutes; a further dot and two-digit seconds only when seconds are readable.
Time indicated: 5.59.39
